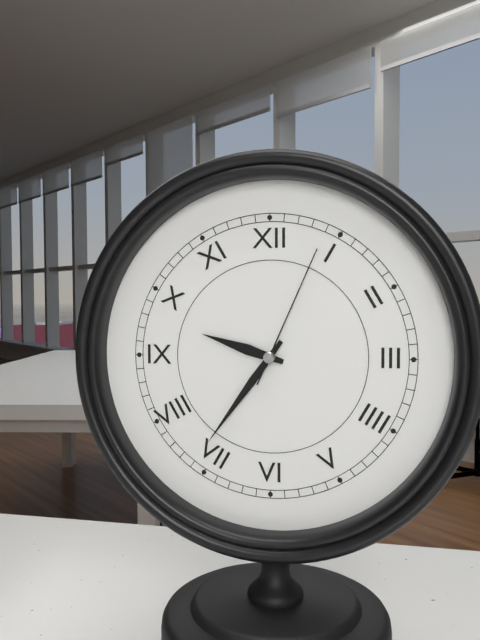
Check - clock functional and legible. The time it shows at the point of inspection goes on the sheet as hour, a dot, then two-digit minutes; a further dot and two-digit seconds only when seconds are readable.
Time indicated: 9.36.04
